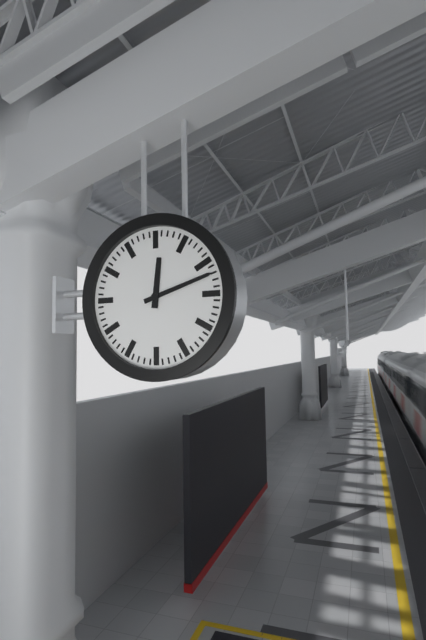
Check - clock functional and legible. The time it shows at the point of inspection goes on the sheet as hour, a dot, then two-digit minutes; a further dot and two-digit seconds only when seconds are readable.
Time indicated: 12.12
